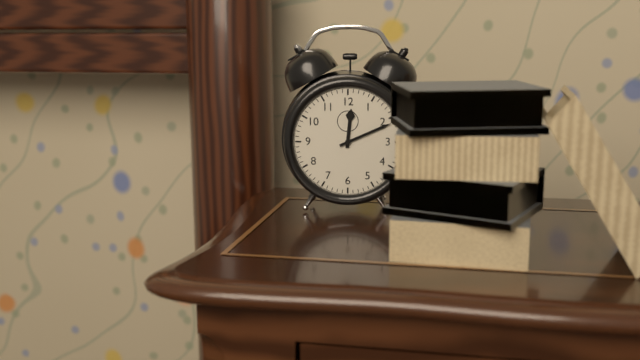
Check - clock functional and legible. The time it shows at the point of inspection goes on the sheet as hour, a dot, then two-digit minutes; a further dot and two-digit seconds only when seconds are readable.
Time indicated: 12.11
